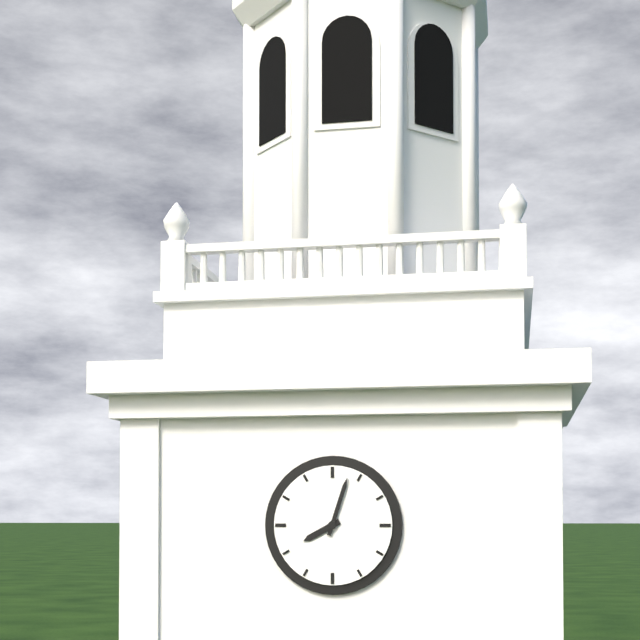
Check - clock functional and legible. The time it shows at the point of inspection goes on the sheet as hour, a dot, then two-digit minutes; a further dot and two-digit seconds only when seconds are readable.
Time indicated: 8.03
